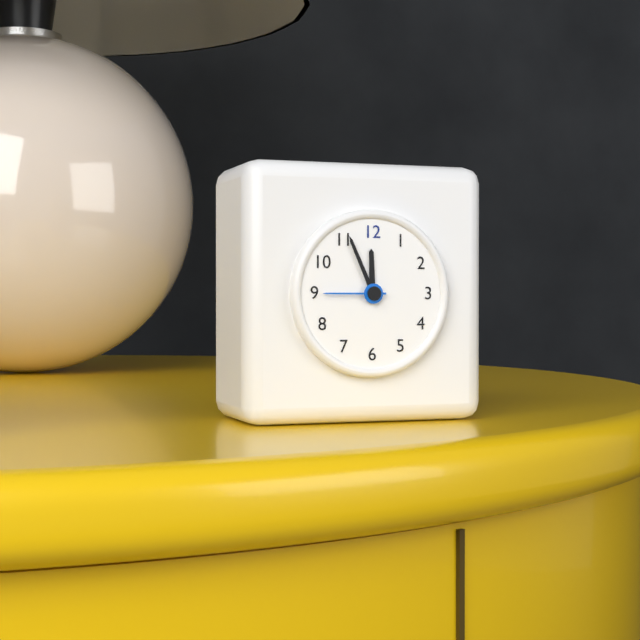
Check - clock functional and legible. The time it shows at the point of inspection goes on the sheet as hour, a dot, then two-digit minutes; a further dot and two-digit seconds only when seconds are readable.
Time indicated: 11.56.45
